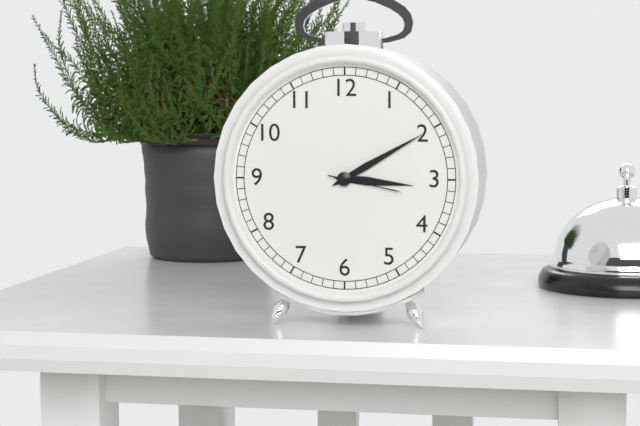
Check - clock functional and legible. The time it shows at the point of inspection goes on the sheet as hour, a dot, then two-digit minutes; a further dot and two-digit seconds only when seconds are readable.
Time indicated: 3.10.17
